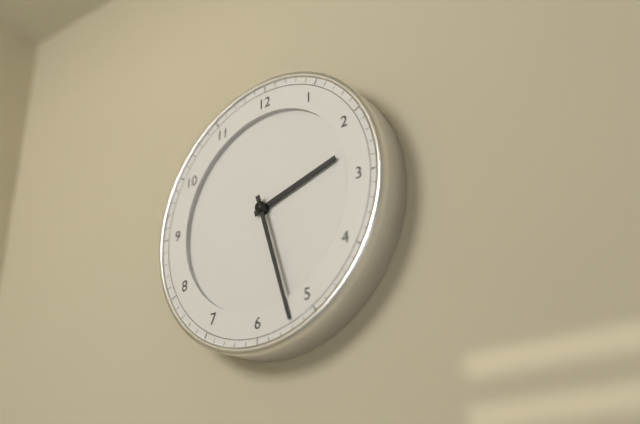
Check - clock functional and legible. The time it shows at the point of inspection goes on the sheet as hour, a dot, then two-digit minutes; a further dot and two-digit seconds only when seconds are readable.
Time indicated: 2.27
